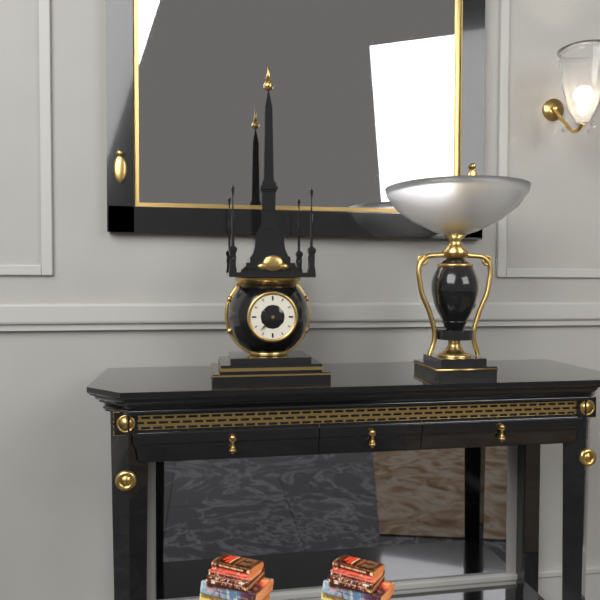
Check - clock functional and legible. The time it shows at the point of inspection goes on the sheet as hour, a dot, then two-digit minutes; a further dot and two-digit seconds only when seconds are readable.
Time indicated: 10.37
